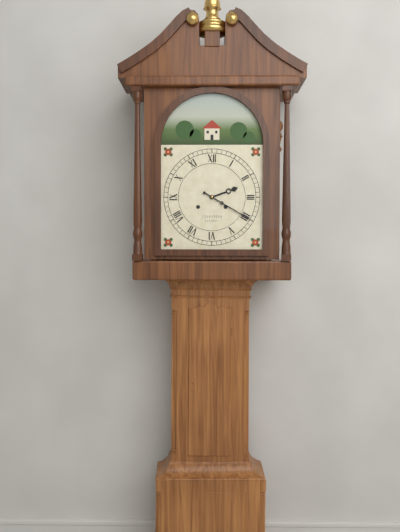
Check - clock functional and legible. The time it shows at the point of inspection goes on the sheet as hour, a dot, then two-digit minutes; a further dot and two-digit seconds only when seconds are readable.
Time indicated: 2.20
